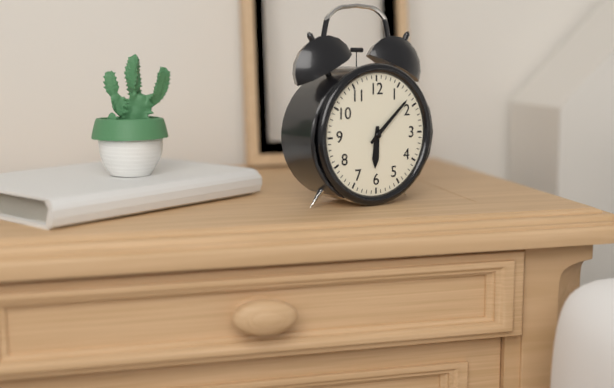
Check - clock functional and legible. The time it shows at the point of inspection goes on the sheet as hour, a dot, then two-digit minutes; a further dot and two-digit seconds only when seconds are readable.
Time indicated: 6.08
